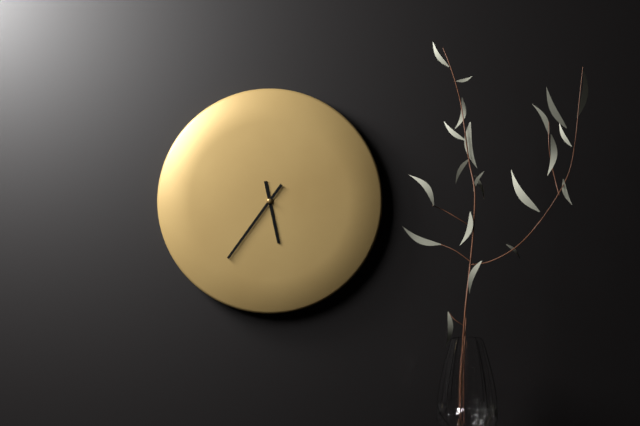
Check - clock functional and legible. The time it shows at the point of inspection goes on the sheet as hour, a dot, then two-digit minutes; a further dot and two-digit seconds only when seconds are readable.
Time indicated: 5.36
